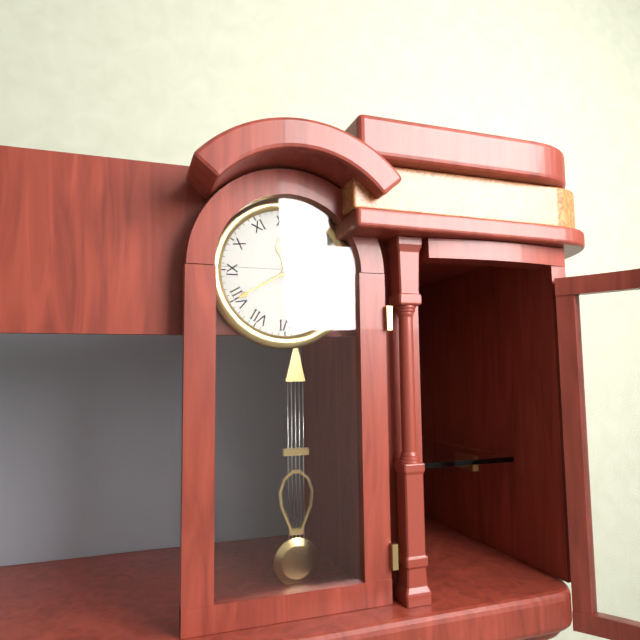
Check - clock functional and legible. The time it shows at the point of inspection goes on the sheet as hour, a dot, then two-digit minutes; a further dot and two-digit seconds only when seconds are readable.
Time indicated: 11.40
